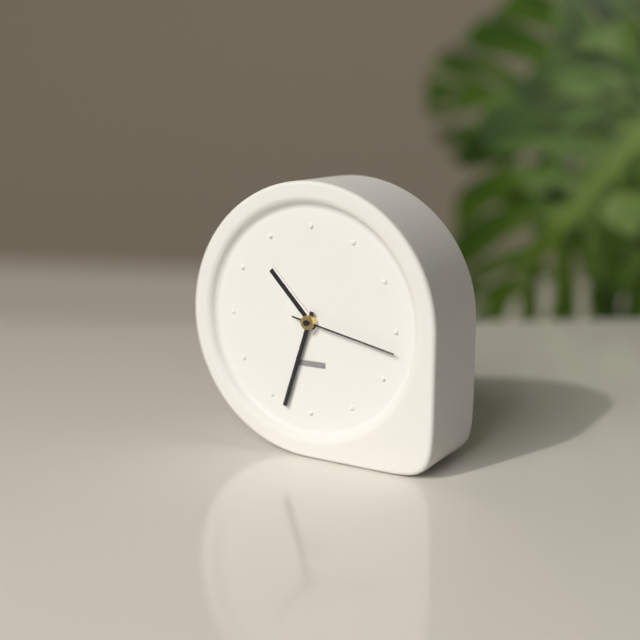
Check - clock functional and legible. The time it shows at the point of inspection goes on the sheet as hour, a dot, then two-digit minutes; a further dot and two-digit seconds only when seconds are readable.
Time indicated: 10.33.17
